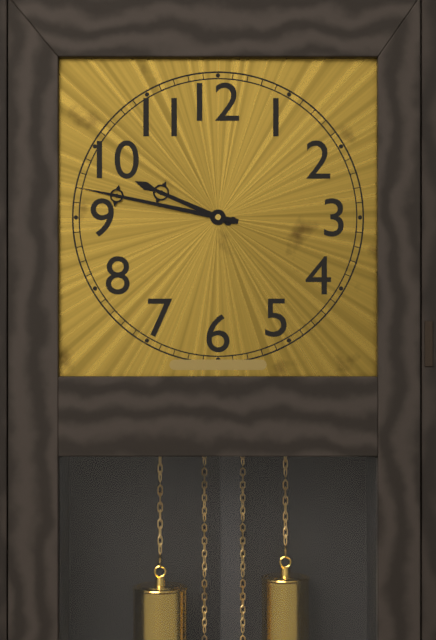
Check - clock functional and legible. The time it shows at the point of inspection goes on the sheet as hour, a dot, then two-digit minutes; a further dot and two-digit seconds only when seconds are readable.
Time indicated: 9.47
